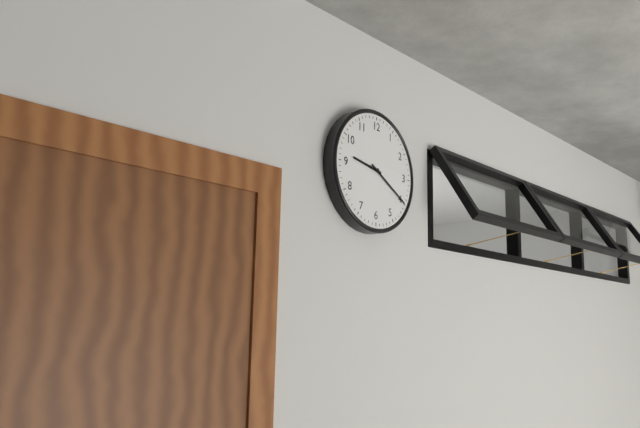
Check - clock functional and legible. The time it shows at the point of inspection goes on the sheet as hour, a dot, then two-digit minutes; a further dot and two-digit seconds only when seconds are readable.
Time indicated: 9.20
